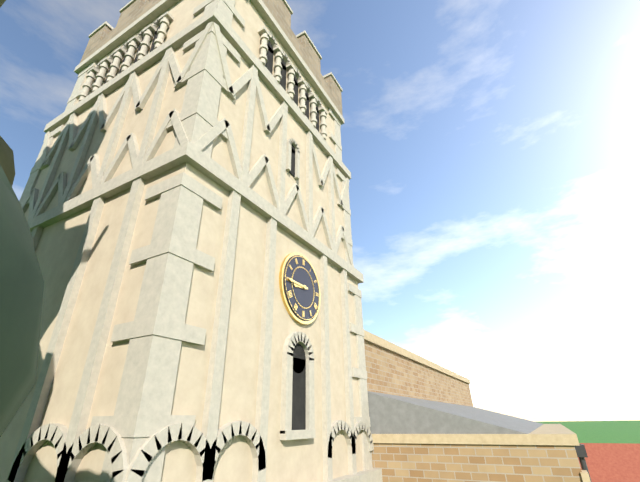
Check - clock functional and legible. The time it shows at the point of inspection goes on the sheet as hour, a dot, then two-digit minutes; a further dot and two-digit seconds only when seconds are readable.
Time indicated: 8.45
